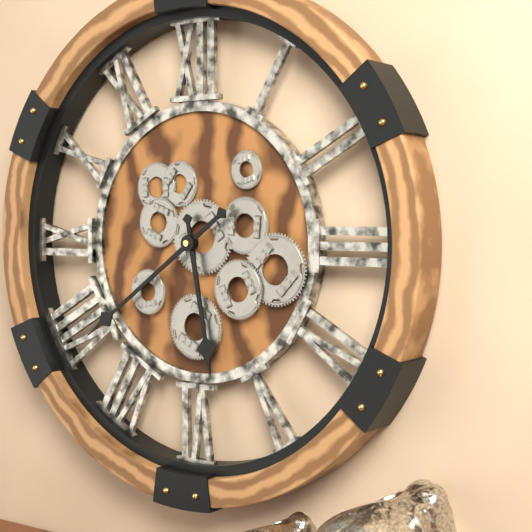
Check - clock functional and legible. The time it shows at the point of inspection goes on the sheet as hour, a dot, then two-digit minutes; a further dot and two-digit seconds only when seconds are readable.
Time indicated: 5.39
